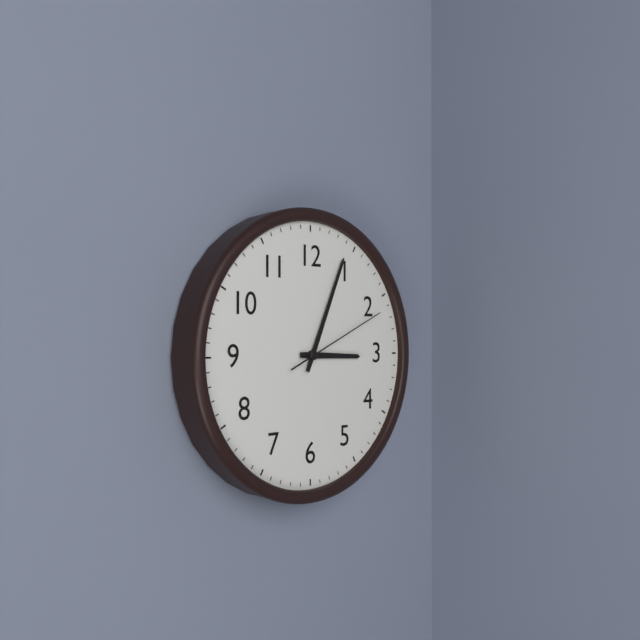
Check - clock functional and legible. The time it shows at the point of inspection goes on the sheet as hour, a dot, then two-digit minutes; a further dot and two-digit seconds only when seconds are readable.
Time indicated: 3.04.11
